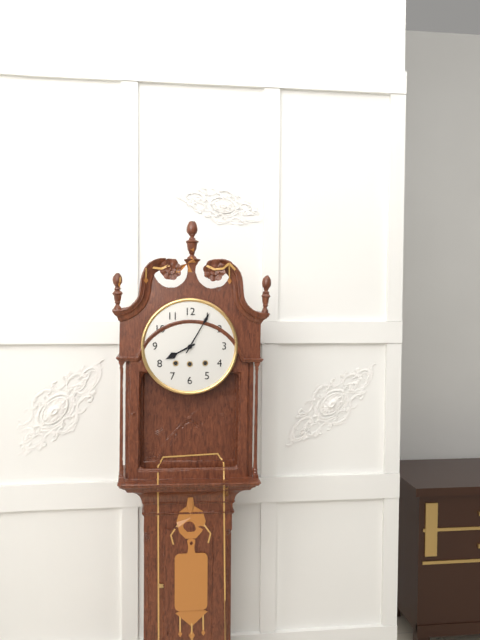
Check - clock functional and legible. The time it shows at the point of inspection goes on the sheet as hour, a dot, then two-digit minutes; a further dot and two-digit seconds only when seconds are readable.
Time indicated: 8.05
